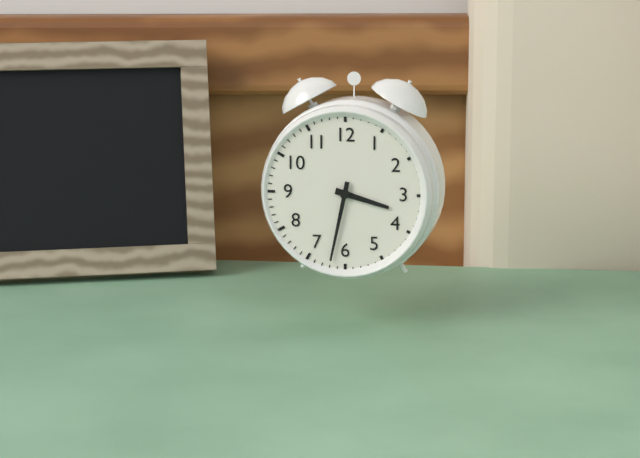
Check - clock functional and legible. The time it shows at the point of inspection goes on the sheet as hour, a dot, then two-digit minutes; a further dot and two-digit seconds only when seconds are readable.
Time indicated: 3.32
